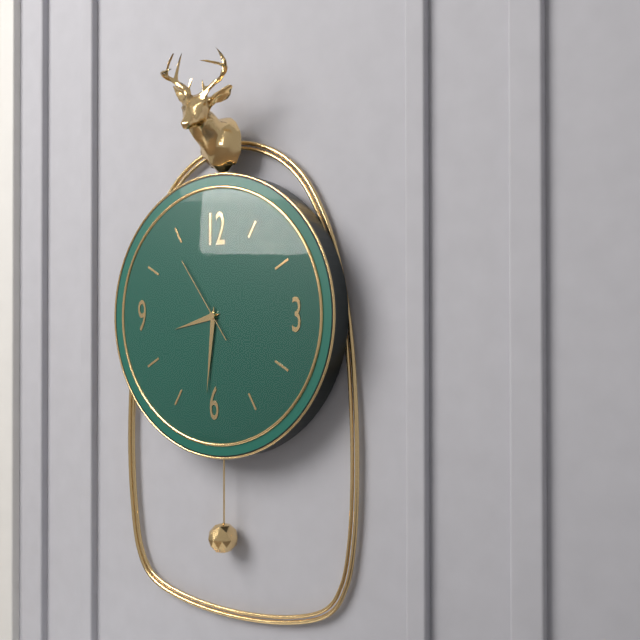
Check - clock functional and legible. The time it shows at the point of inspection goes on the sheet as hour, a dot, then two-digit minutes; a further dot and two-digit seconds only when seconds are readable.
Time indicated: 8.31.54
